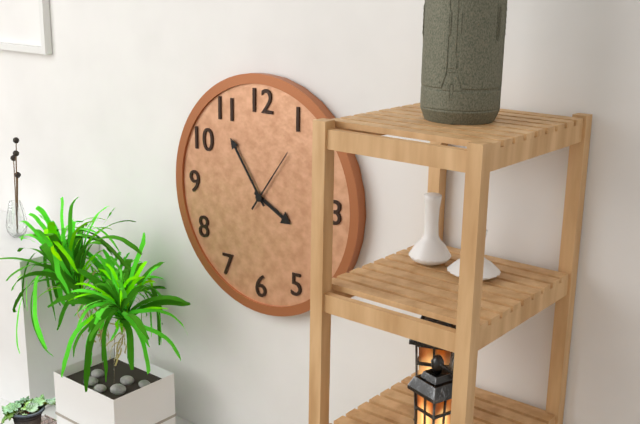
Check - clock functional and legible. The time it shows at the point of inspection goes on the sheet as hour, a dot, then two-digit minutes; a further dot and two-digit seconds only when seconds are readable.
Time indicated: 3.54.06
